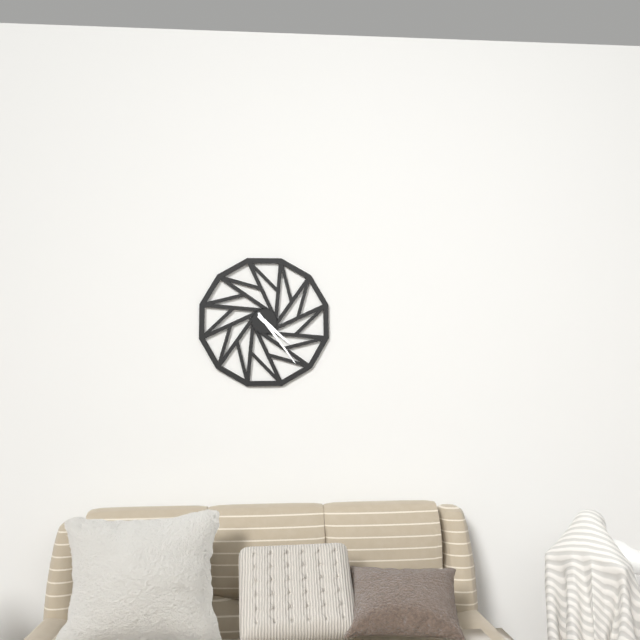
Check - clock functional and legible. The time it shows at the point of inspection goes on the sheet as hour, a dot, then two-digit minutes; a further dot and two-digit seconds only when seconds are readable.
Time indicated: 4.24
